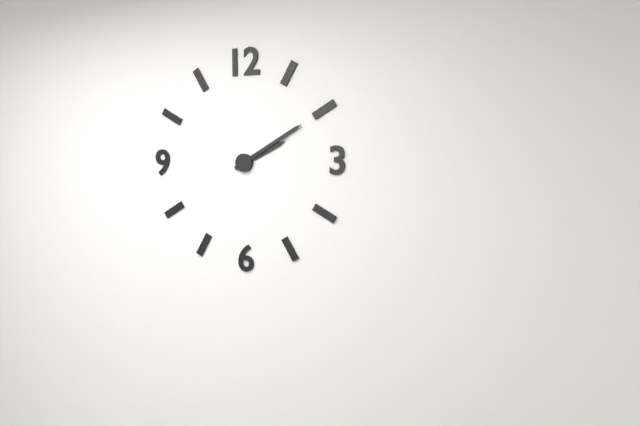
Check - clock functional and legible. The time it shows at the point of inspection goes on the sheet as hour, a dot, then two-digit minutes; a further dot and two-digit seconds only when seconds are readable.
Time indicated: 2.10
